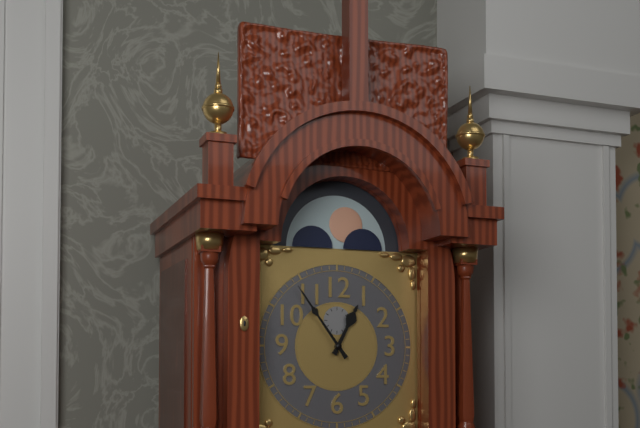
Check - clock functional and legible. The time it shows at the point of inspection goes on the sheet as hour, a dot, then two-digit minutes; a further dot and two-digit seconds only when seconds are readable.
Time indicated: 12.54
